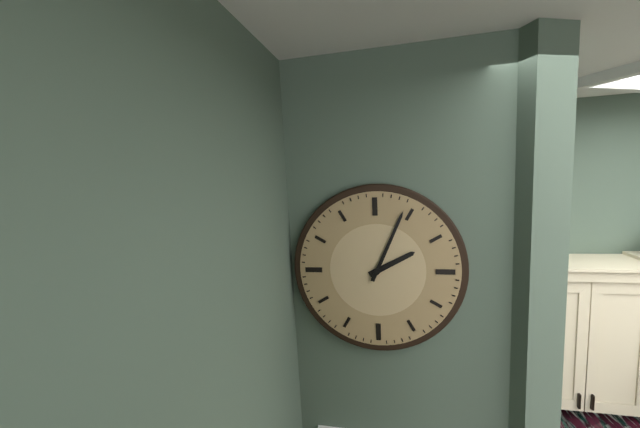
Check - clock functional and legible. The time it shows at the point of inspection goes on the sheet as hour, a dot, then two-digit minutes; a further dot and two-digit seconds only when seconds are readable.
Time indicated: 2.04
